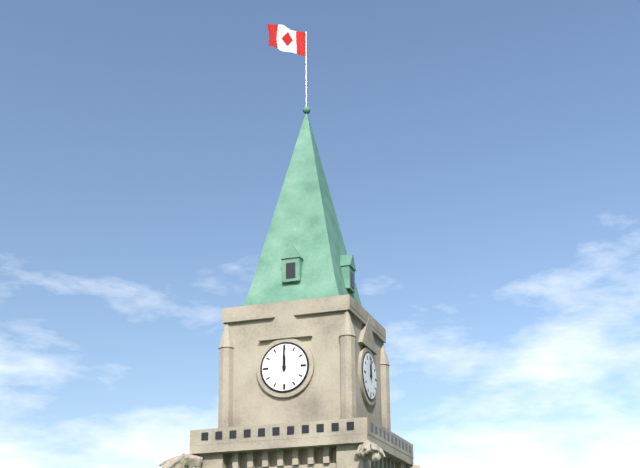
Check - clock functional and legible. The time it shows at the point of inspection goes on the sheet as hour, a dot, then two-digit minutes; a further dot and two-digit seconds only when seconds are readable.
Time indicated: 12.00
